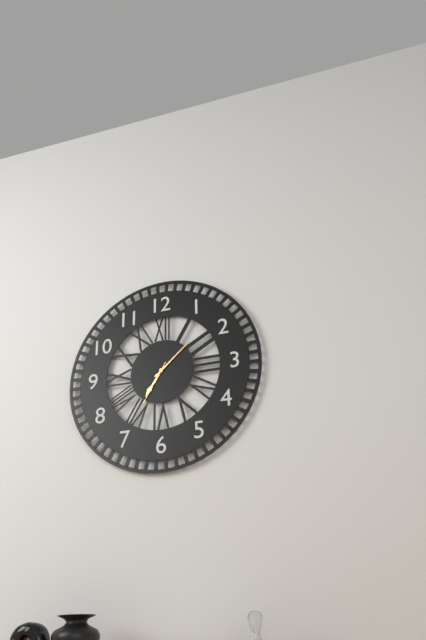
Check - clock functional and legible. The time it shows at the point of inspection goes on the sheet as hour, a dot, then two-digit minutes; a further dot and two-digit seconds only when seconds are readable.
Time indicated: 7.08
